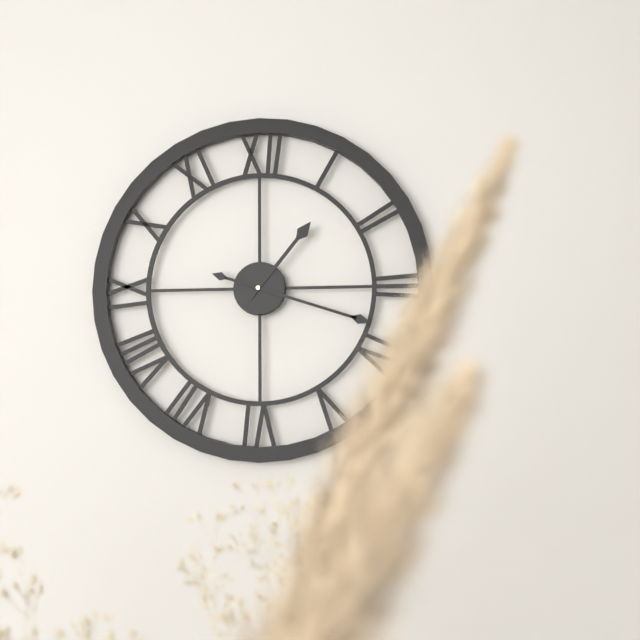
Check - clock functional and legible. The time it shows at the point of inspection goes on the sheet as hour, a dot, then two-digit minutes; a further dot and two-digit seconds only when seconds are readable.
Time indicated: 1.18
